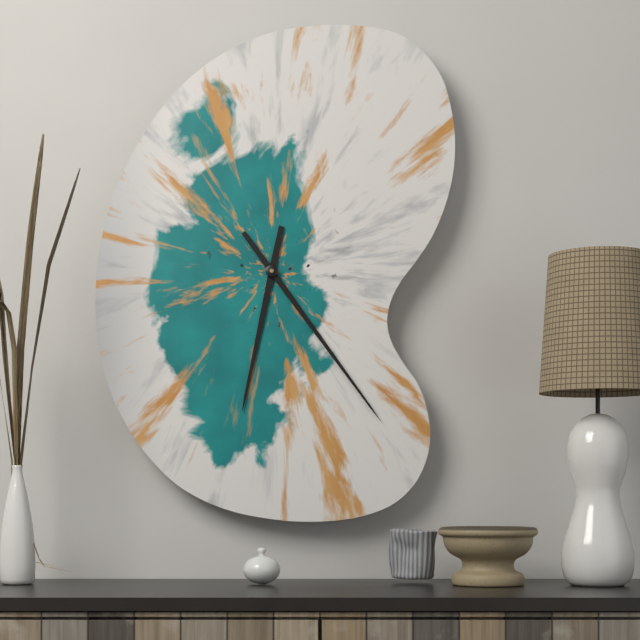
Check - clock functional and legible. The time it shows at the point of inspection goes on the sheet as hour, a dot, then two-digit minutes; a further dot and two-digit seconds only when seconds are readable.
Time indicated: 6.24
